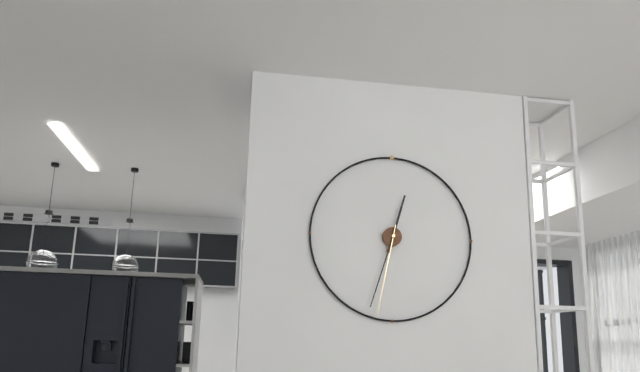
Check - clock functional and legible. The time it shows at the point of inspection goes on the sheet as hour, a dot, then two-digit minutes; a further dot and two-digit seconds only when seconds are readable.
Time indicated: 12.33.32
